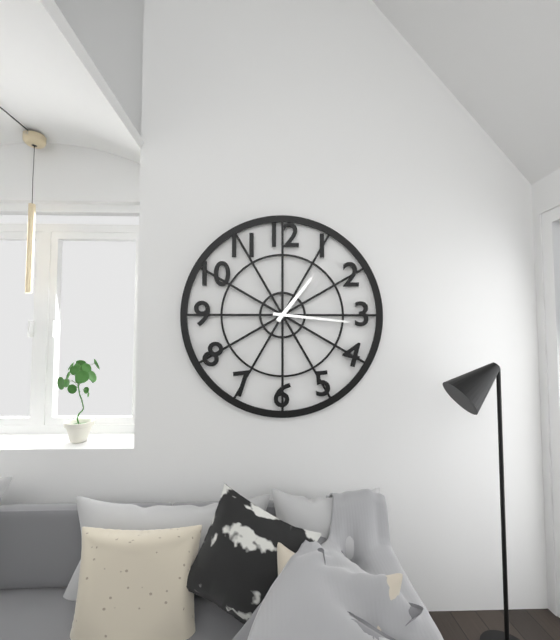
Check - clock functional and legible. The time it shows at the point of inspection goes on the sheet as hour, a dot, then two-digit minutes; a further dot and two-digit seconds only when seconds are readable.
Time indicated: 1.16
